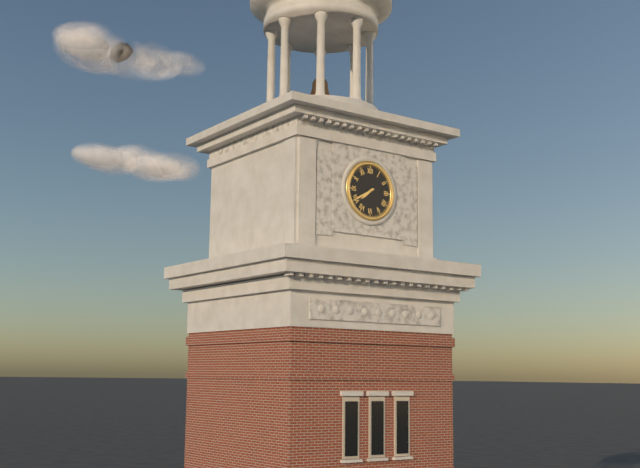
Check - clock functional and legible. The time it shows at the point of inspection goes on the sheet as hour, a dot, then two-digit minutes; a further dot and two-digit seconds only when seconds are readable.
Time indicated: 7.40
